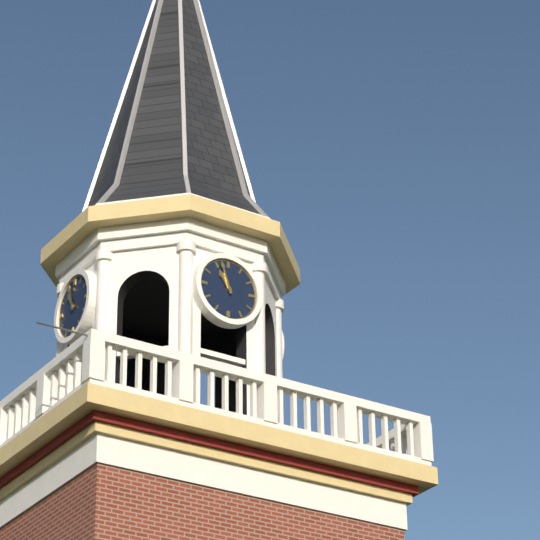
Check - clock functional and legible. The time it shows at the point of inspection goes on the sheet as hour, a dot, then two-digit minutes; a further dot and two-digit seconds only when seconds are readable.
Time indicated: 10.57
